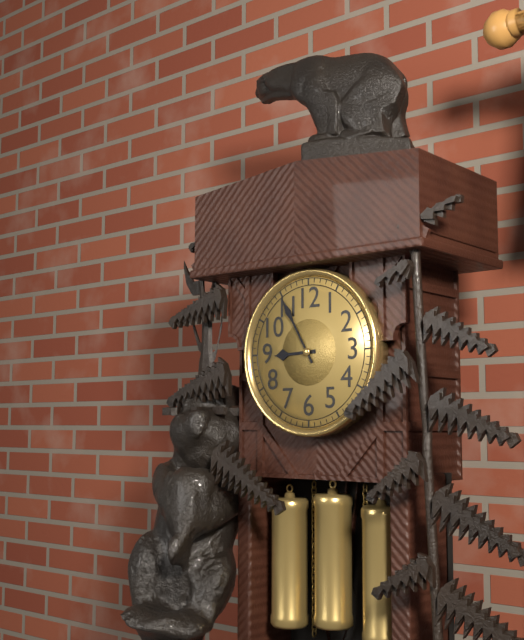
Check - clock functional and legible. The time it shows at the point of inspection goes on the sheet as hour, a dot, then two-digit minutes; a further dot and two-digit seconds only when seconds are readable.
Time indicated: 8.55
